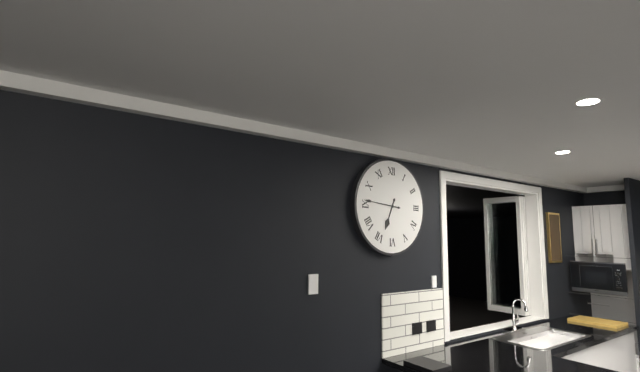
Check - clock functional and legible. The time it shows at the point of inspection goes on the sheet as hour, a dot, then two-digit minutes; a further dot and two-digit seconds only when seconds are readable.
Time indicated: 6.46
